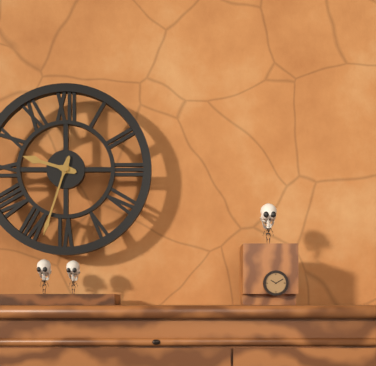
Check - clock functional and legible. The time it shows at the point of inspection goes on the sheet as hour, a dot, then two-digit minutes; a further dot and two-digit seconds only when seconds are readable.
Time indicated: 9.33
